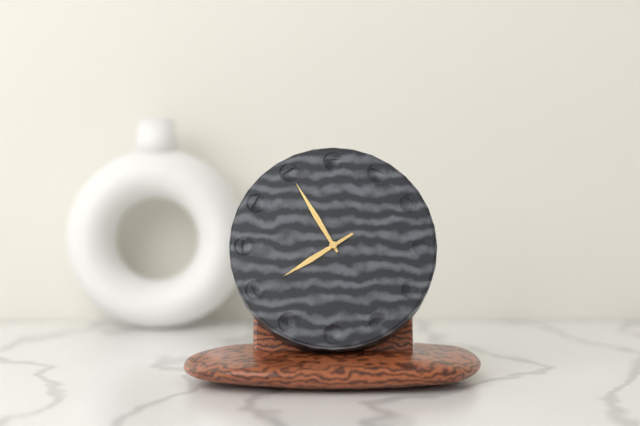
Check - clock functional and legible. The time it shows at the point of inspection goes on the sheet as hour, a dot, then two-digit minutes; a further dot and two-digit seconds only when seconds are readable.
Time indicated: 7.55
